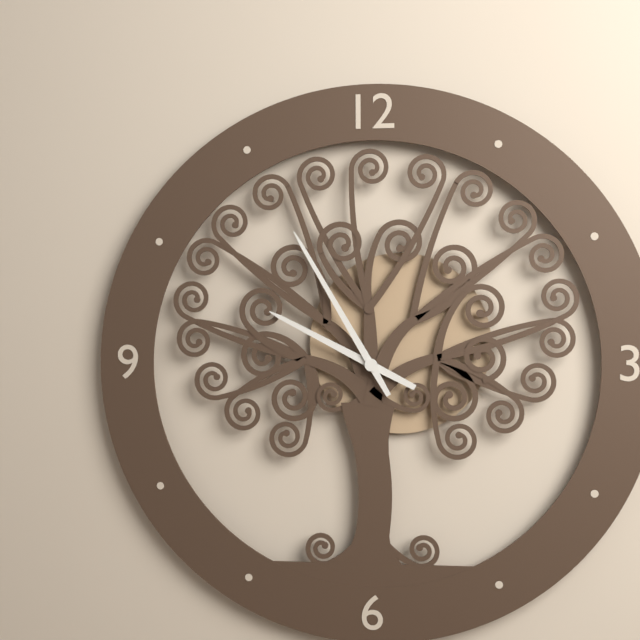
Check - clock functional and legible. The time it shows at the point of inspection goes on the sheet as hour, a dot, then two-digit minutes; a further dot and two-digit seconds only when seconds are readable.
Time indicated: 9.55
